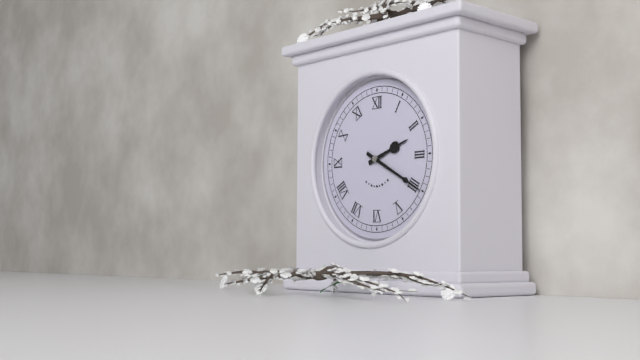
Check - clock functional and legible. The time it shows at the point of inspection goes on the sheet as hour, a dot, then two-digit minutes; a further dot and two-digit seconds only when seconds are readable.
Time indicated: 2.20
